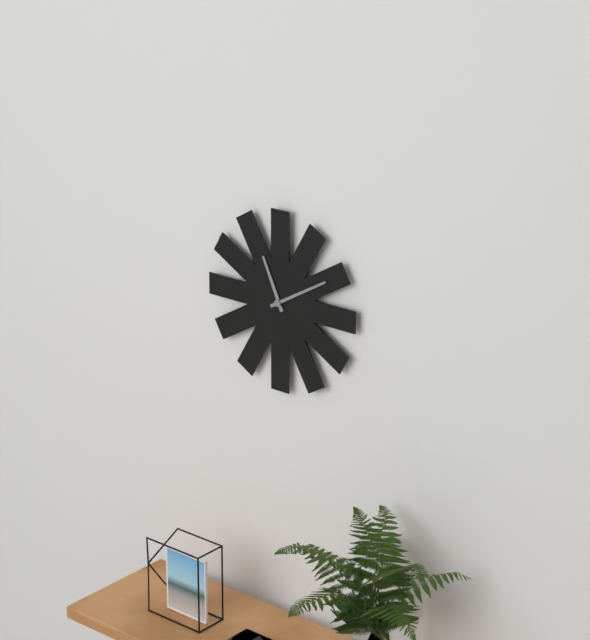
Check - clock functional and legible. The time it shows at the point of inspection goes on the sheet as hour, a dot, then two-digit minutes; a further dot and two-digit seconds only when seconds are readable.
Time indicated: 11.10
